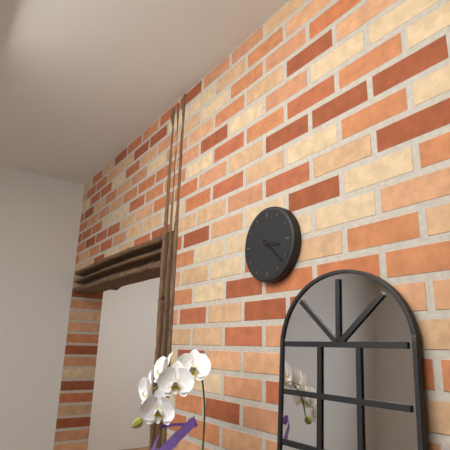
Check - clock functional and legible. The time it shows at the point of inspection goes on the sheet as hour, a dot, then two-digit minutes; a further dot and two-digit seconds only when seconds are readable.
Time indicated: 3.22
